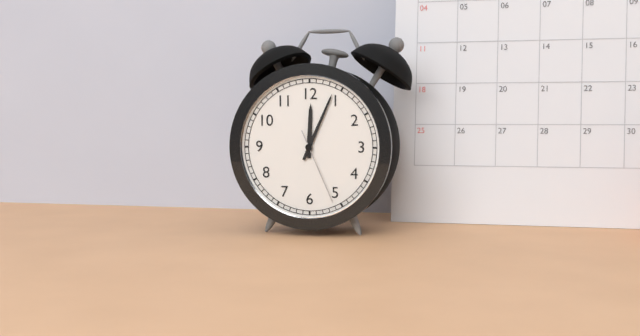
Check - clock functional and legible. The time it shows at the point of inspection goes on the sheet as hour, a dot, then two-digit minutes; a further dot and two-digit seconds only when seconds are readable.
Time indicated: 12.04.26
